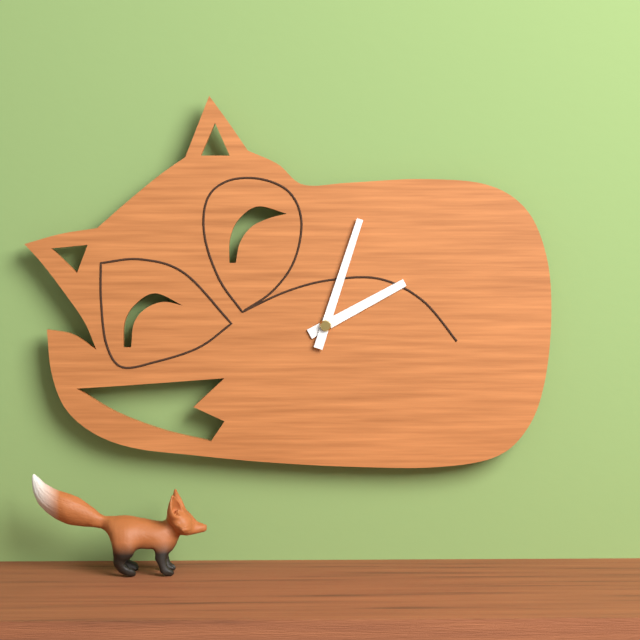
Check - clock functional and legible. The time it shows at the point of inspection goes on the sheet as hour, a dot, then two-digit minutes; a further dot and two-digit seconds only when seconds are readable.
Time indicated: 2.03
